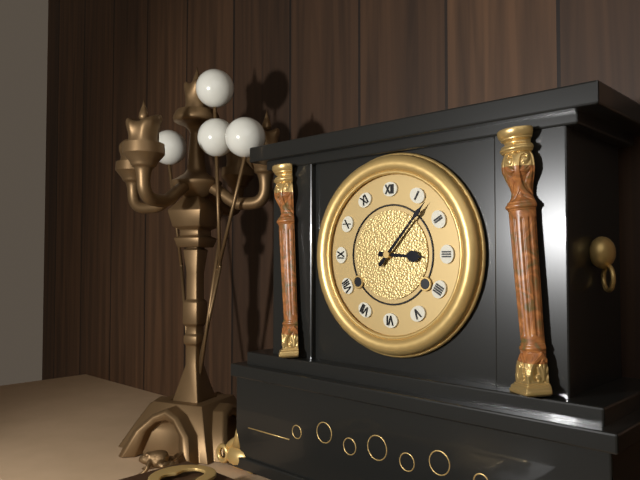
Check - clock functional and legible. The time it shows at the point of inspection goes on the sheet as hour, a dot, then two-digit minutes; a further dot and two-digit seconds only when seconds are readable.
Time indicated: 3.07
